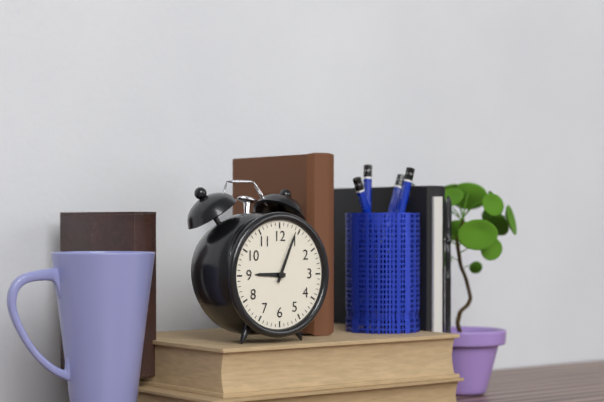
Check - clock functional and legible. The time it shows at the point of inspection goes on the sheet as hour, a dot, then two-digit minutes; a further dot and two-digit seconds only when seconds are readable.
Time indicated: 9.04
